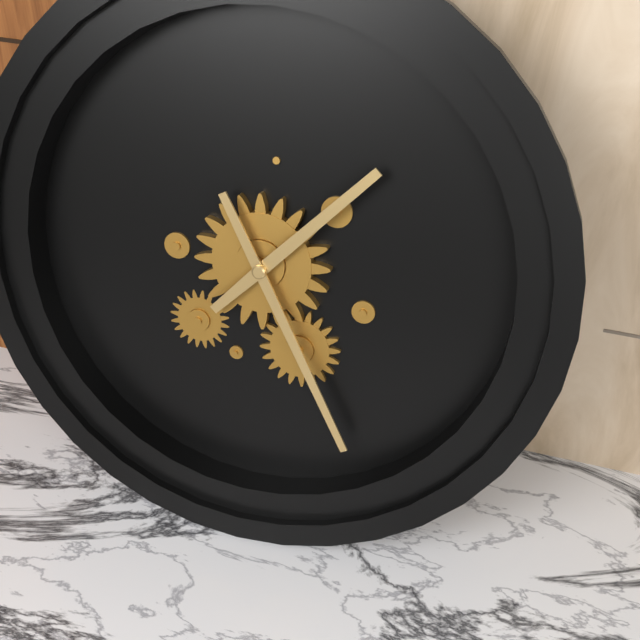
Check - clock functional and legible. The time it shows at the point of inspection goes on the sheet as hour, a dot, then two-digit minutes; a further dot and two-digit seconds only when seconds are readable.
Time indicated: 1.25
